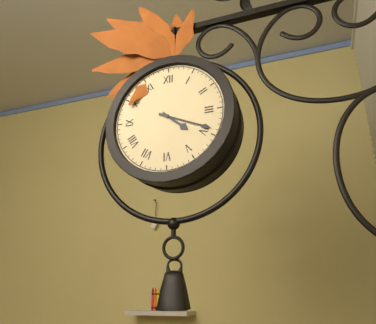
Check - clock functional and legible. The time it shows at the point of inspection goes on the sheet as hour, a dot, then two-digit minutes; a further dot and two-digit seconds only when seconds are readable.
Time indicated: 4.19
